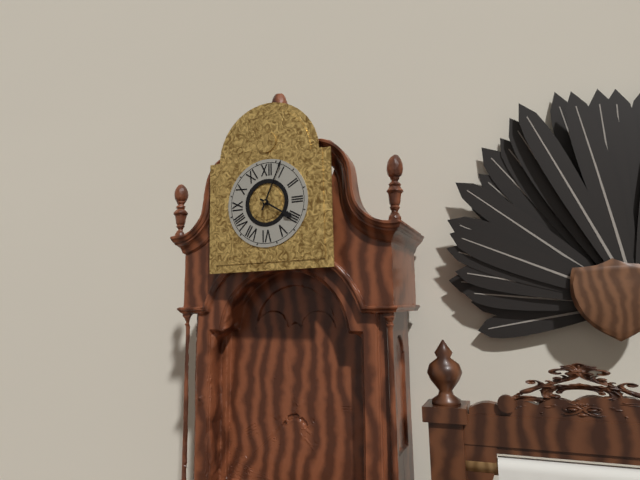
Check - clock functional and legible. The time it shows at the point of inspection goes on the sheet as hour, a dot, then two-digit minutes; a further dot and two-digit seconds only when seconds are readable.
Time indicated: 4.04
